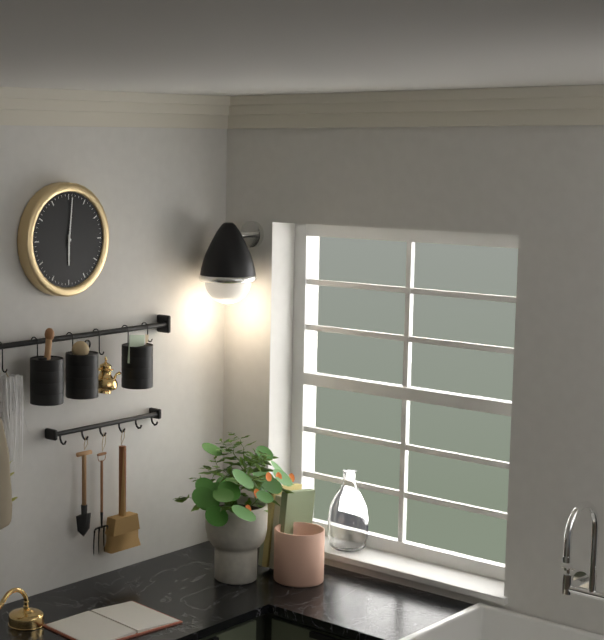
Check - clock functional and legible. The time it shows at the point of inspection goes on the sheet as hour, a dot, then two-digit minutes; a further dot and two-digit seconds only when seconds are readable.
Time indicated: 6.01
